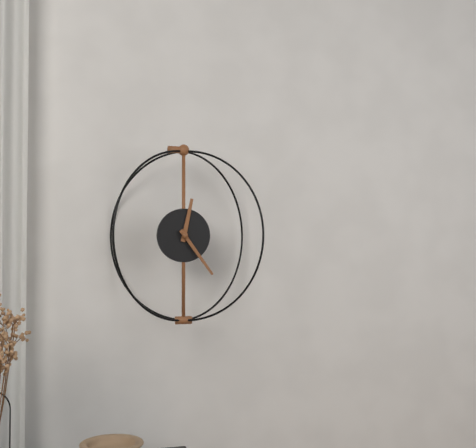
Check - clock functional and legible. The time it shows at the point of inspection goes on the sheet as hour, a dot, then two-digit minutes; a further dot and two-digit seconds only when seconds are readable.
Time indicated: 12.24
